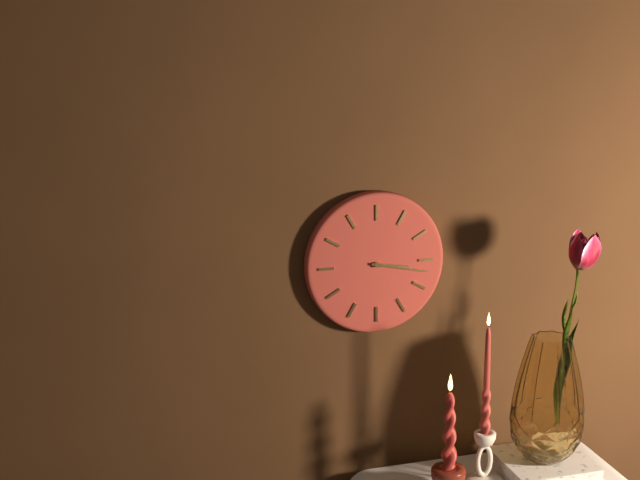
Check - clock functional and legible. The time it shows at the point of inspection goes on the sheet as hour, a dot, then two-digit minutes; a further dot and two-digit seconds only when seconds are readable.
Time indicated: 3.17
